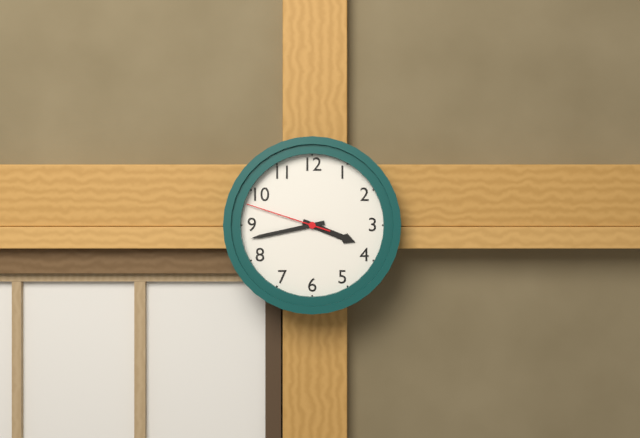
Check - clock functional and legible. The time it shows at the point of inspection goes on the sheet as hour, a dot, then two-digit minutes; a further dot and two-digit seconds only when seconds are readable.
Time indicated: 3.43.48
